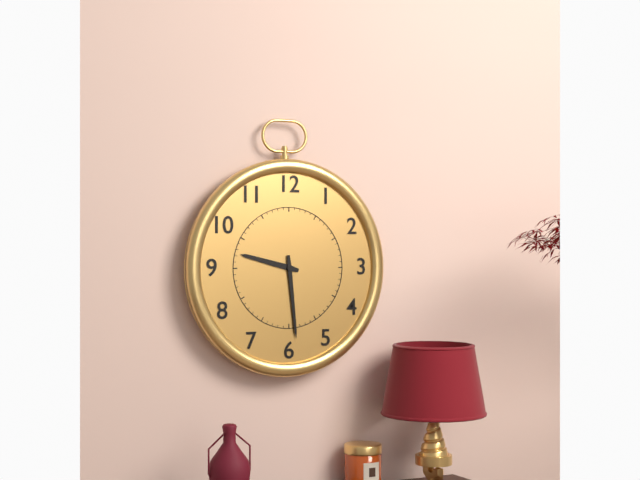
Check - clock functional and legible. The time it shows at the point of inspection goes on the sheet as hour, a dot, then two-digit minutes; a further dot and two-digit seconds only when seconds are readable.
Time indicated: 9.29
